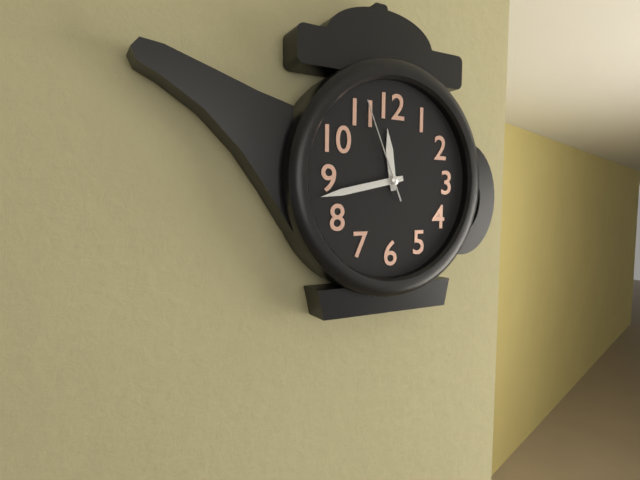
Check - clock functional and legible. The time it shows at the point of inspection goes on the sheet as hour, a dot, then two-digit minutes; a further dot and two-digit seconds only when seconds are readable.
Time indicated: 11.43.56
